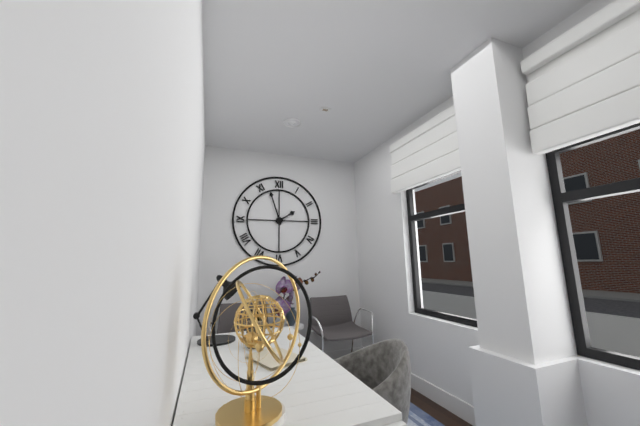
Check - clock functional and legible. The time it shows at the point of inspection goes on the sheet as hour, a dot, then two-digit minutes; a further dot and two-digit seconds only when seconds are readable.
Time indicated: 1.57
